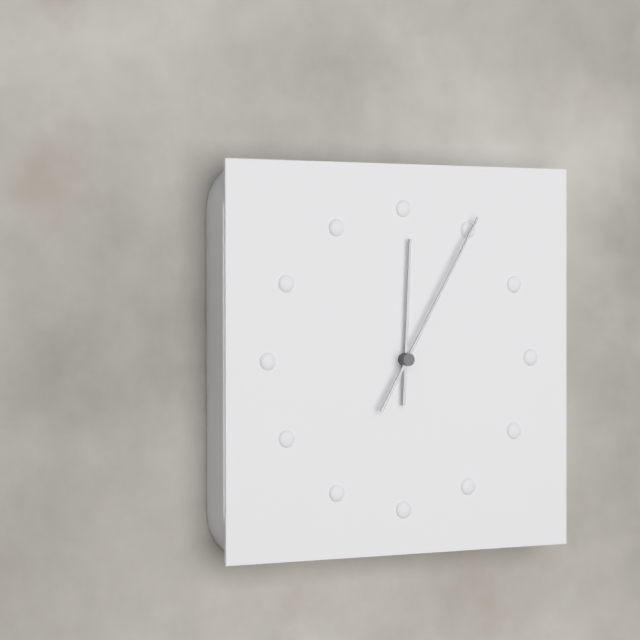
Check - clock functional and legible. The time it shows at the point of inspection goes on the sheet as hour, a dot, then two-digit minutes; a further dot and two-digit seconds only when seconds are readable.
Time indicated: 12.05
